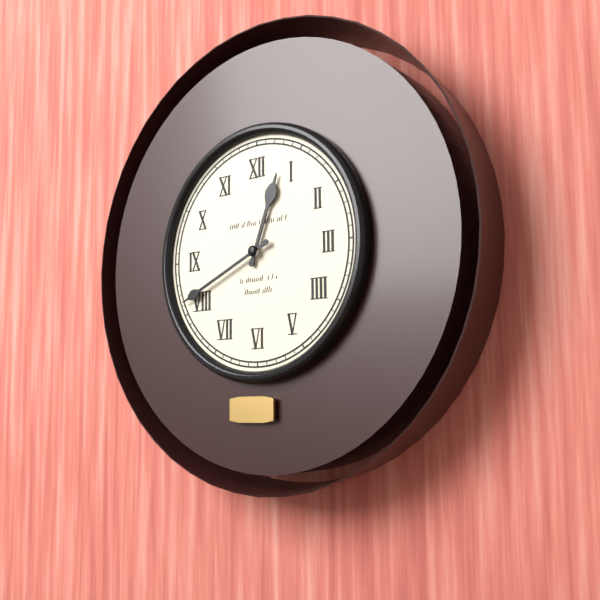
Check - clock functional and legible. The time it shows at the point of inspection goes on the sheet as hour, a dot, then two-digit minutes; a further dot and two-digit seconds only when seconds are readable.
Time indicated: 12.41
